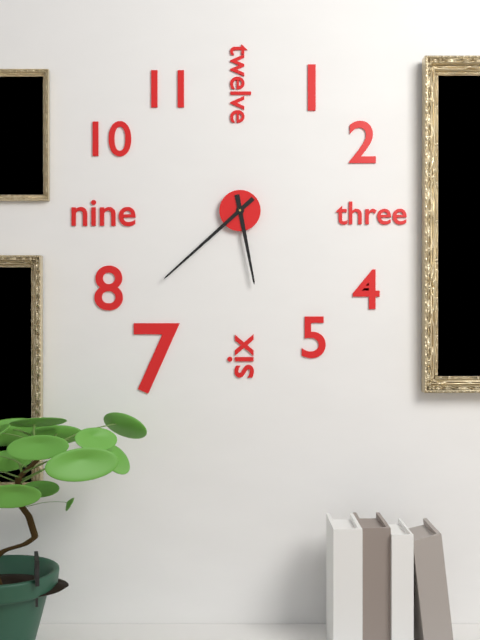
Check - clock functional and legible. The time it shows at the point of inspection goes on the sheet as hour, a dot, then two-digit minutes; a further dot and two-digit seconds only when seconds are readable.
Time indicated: 5.38
